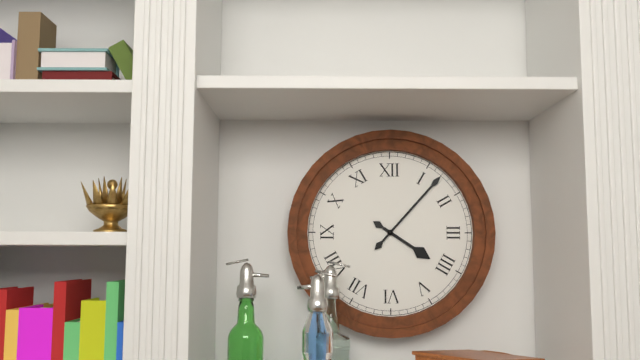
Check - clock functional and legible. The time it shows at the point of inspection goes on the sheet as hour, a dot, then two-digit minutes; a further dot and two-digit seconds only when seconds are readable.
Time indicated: 4.07
